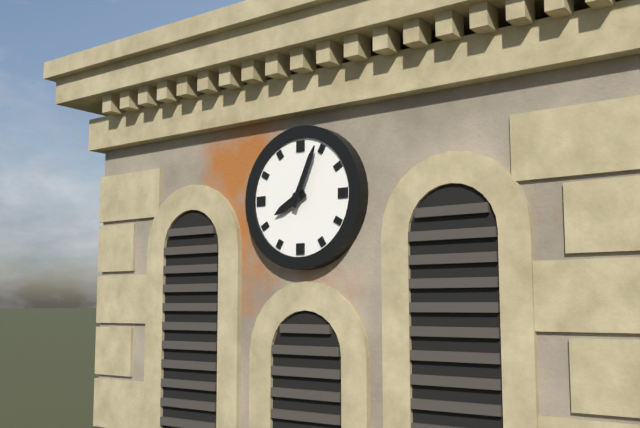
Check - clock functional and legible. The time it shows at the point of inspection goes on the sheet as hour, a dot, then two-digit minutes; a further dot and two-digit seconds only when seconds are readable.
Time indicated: 8.04
